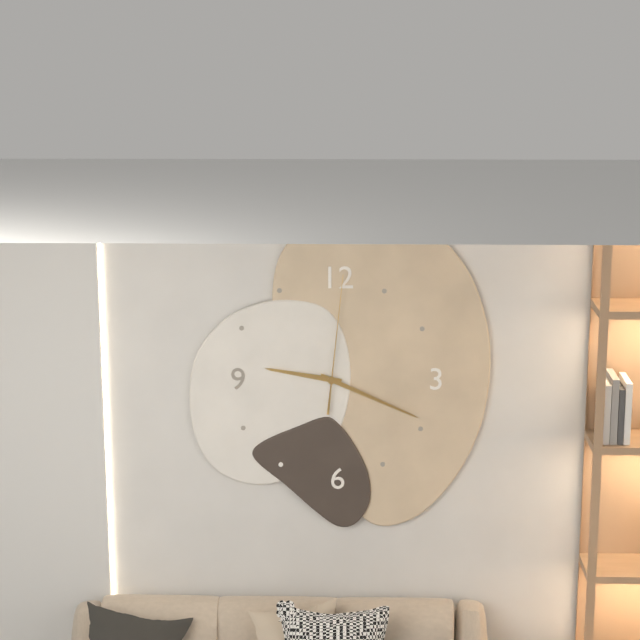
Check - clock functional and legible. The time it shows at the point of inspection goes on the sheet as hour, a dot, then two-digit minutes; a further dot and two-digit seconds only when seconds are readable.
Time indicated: 9.19.01
